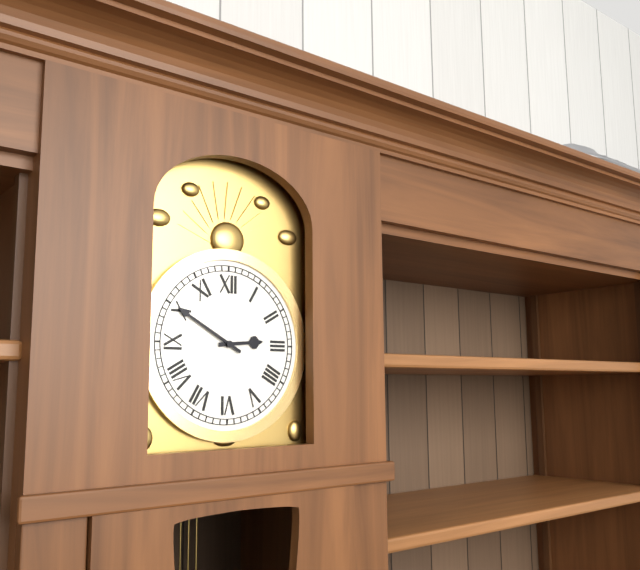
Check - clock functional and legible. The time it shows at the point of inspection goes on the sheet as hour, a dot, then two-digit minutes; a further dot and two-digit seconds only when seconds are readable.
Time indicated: 2.50
